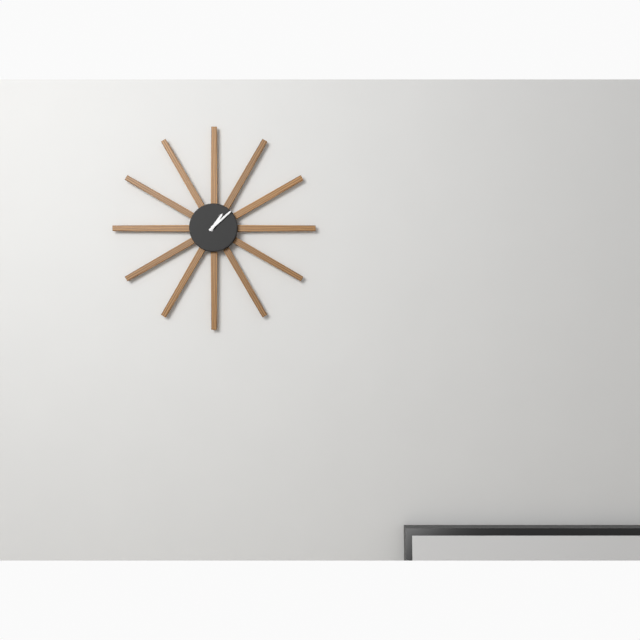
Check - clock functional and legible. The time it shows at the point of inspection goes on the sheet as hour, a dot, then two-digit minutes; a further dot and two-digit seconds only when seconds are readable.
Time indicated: 1.08
